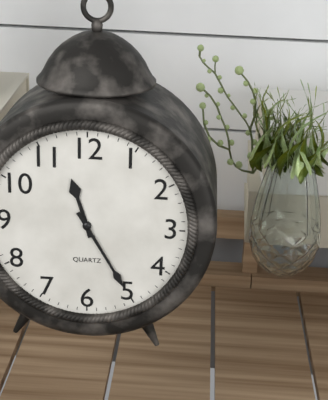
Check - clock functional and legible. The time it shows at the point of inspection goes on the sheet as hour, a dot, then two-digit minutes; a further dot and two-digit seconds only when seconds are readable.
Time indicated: 11.25
